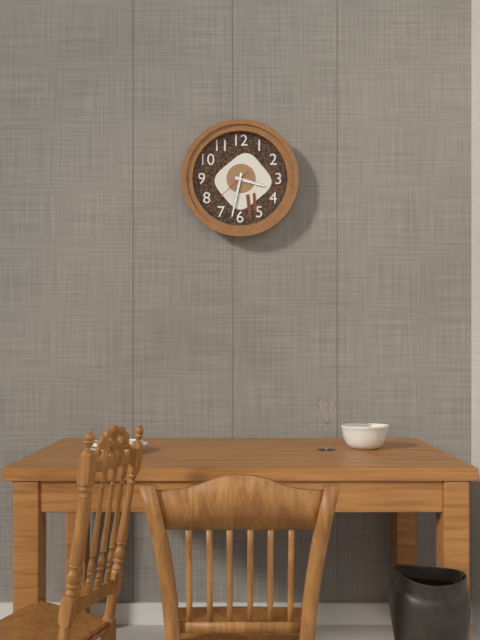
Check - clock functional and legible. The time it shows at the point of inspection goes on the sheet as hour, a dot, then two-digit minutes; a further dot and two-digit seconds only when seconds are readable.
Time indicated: 3.32.38
